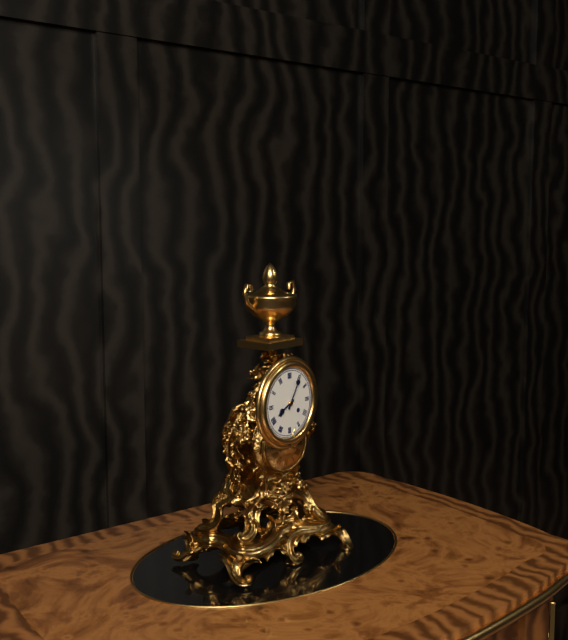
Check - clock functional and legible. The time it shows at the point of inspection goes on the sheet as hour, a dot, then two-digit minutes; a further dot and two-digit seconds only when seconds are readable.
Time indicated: 8.05
